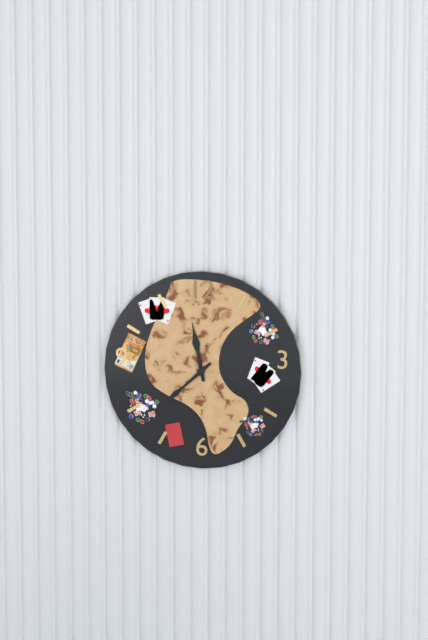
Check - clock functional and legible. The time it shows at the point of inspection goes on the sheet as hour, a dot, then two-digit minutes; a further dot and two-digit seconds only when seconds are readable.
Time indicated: 11.38
